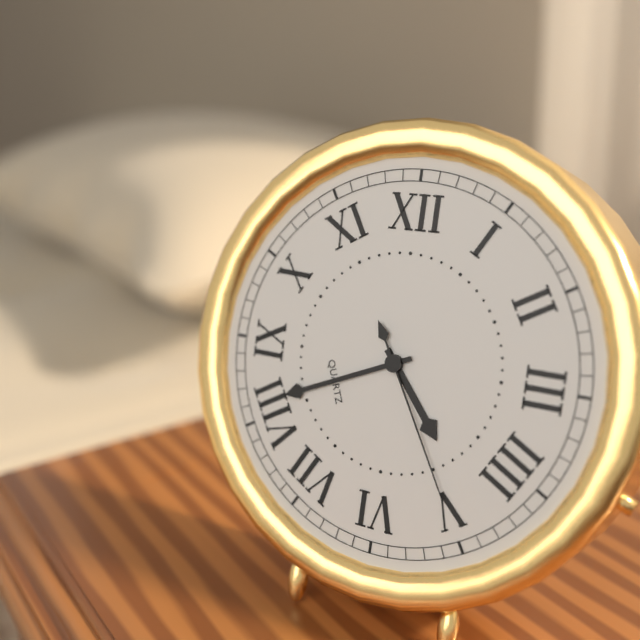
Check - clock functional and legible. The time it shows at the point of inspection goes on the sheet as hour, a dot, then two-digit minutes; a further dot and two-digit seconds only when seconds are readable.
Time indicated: 4.41.25
